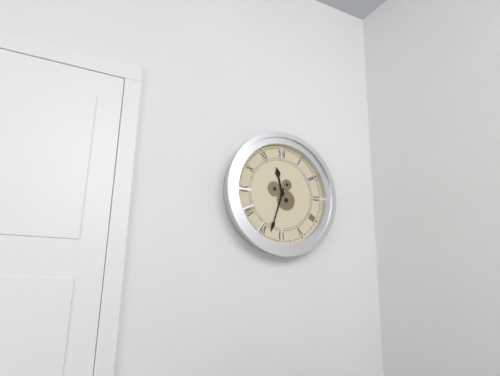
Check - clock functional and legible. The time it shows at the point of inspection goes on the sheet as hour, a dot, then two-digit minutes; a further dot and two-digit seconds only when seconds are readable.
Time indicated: 11.33
